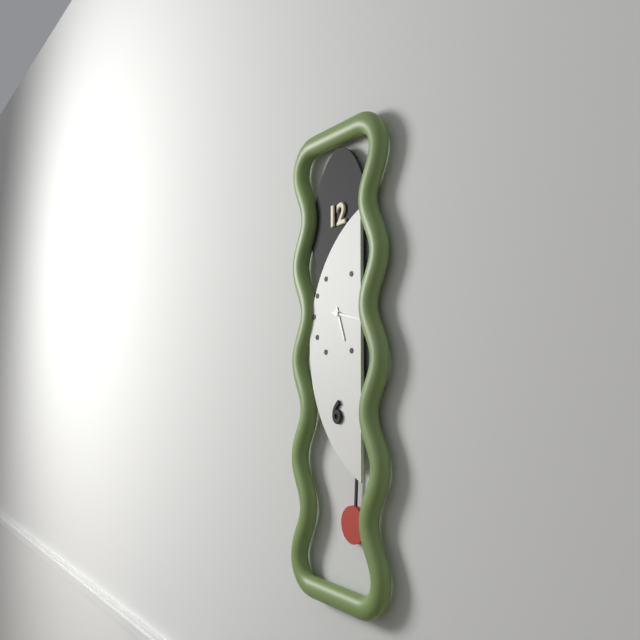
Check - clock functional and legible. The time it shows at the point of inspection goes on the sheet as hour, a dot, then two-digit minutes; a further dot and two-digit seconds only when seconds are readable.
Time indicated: 5.17
